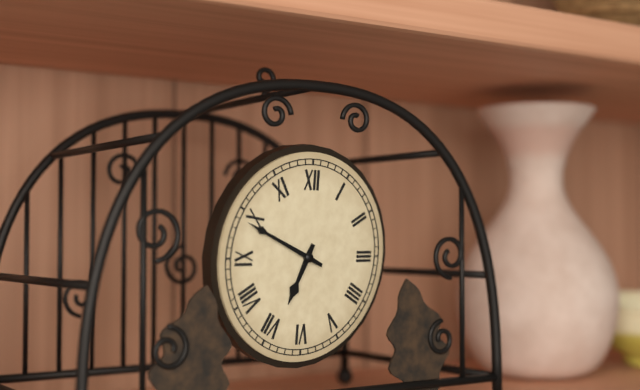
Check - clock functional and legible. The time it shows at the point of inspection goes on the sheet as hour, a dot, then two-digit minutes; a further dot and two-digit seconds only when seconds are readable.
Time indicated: 6.49
